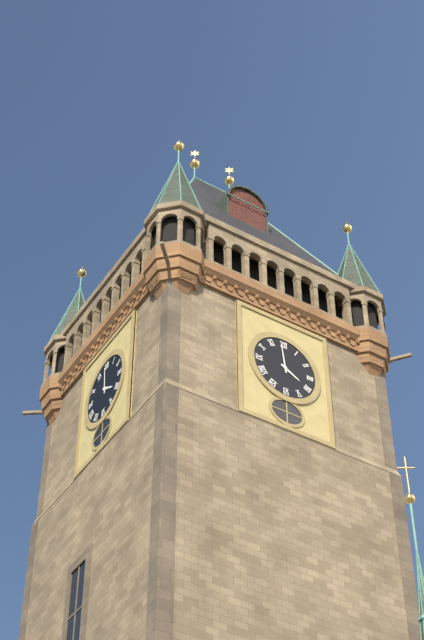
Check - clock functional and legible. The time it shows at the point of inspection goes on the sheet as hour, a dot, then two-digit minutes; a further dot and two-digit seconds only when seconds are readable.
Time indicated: 3.59
